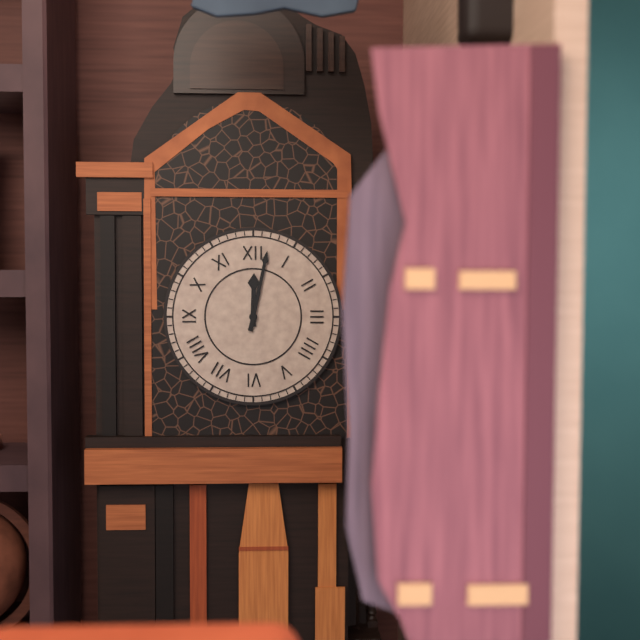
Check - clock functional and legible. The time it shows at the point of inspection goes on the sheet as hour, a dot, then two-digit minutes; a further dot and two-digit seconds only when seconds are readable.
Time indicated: 12.02
